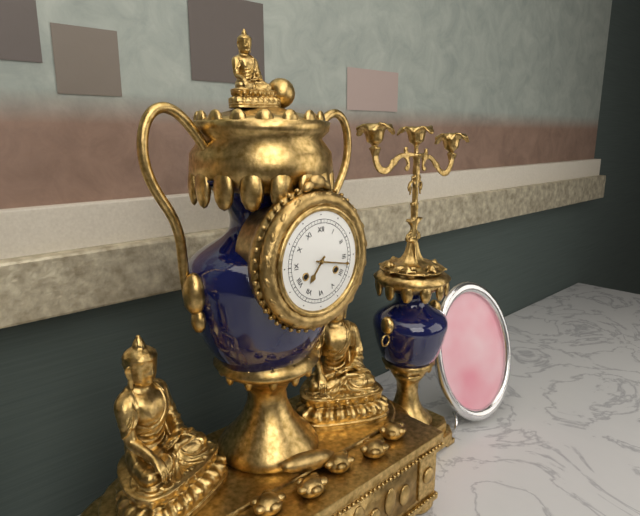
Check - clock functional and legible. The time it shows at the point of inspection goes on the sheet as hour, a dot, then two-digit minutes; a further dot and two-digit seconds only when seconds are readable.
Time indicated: 7.17
